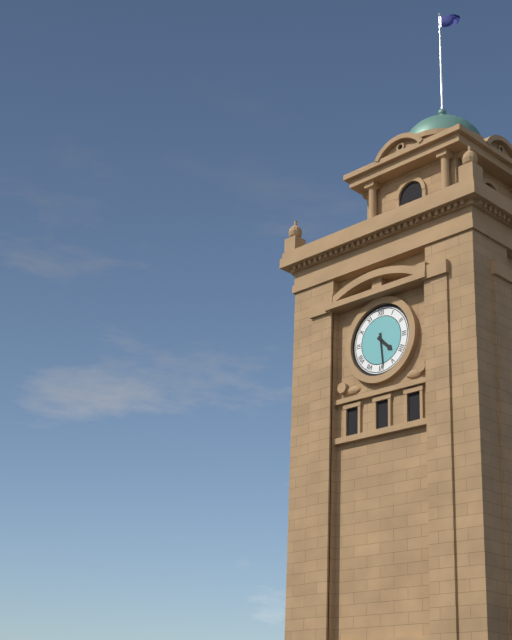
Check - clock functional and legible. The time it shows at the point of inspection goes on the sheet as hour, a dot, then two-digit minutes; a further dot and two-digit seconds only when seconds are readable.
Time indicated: 4.29
